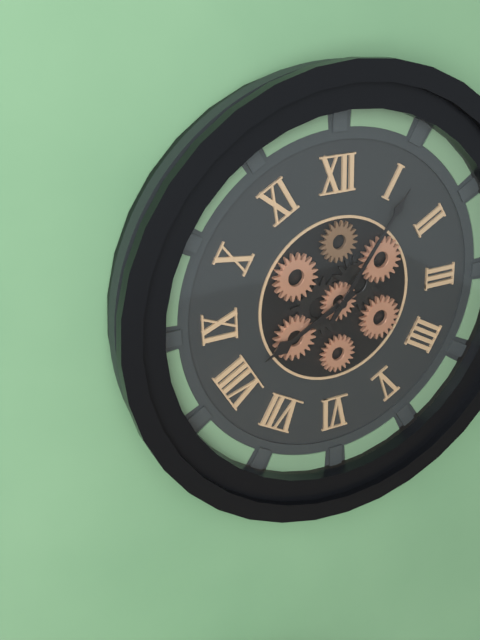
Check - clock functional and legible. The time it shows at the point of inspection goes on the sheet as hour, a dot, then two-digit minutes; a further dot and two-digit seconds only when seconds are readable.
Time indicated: 8.06
